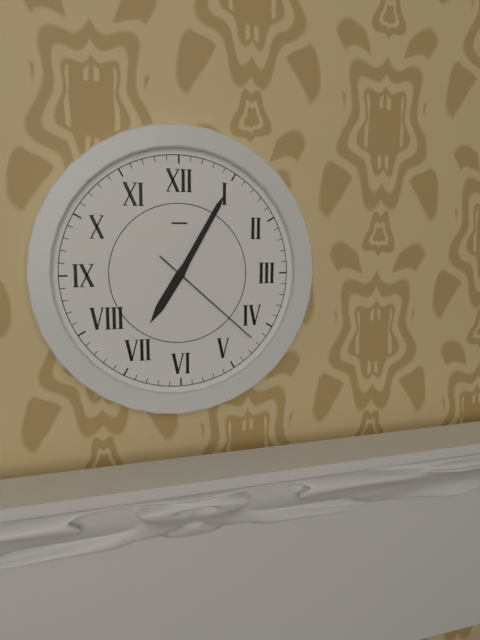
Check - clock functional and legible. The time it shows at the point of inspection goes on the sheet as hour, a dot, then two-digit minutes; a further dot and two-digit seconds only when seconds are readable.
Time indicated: 7.05.22
